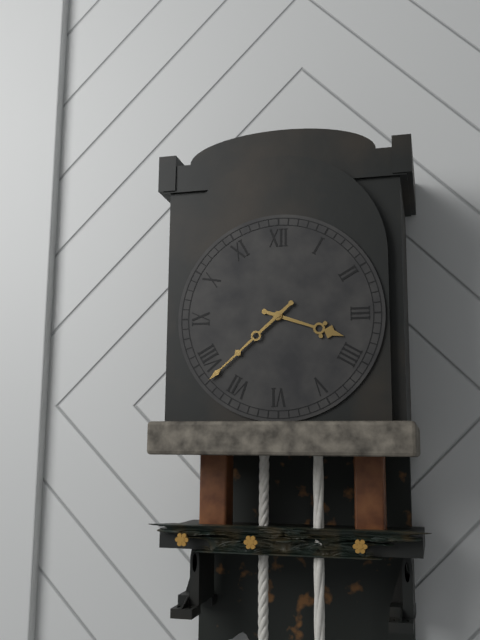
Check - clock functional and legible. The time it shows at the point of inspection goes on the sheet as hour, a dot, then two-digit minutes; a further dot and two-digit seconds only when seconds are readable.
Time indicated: 3.38
